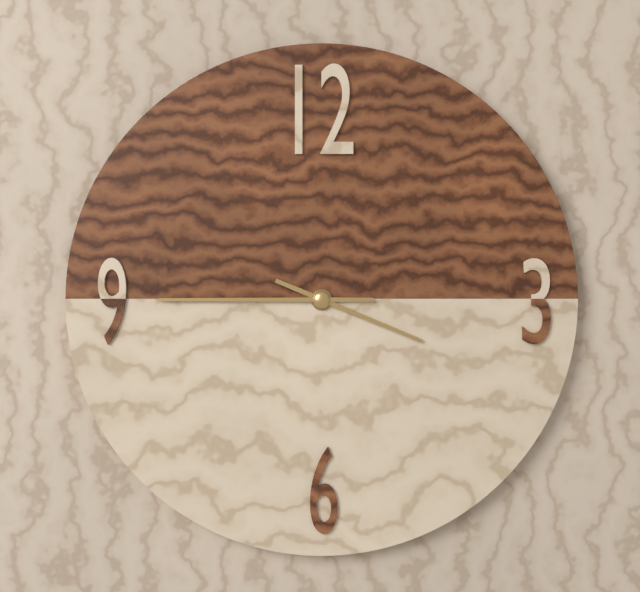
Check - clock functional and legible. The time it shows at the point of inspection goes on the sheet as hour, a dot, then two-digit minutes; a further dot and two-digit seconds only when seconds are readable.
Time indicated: 3.45
